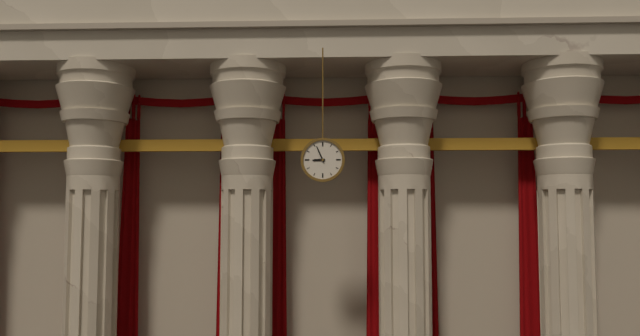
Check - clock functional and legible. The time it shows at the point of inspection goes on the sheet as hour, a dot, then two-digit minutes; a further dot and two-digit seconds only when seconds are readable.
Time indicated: 8.56
